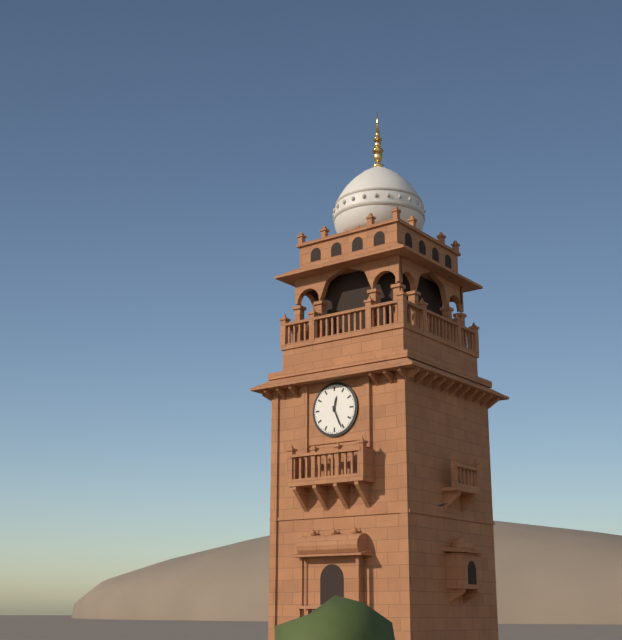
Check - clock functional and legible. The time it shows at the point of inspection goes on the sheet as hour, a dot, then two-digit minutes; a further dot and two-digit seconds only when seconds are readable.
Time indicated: 12.26
